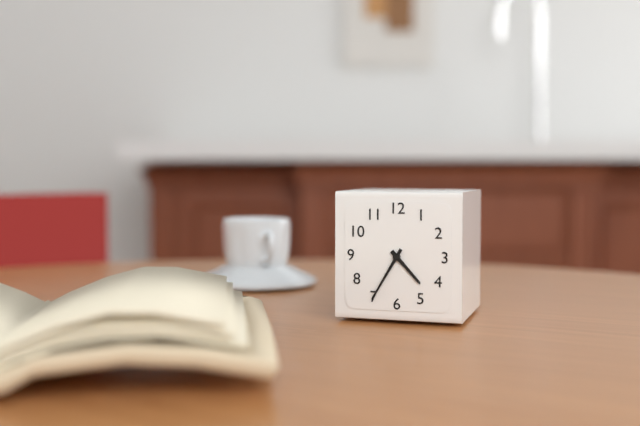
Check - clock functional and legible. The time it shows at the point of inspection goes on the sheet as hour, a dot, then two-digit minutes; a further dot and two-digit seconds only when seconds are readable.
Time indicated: 4.35
